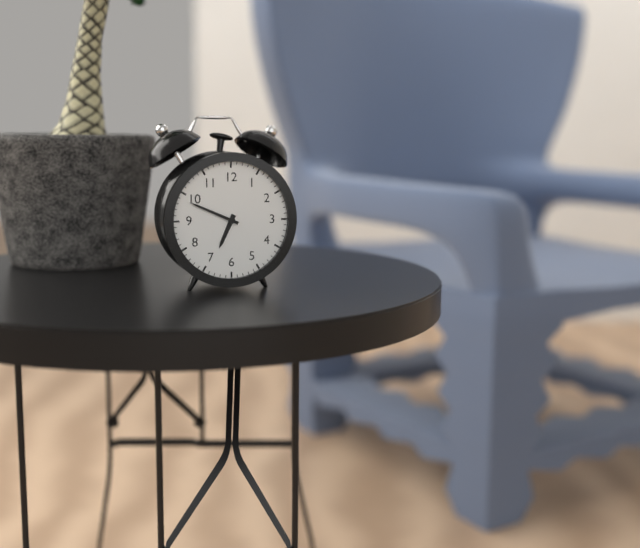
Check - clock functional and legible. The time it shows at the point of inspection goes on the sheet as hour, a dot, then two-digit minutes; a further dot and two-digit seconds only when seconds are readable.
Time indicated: 6.49
